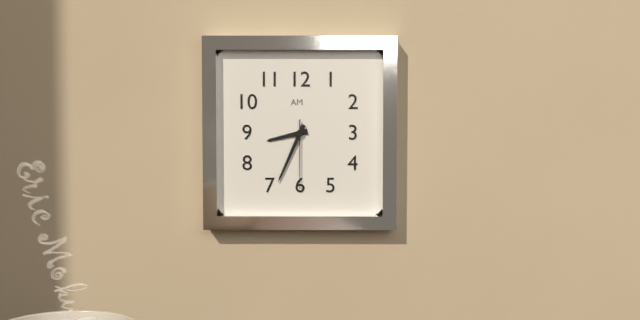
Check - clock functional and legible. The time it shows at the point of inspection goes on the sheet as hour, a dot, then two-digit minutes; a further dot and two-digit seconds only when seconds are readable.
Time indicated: 8.34.30
